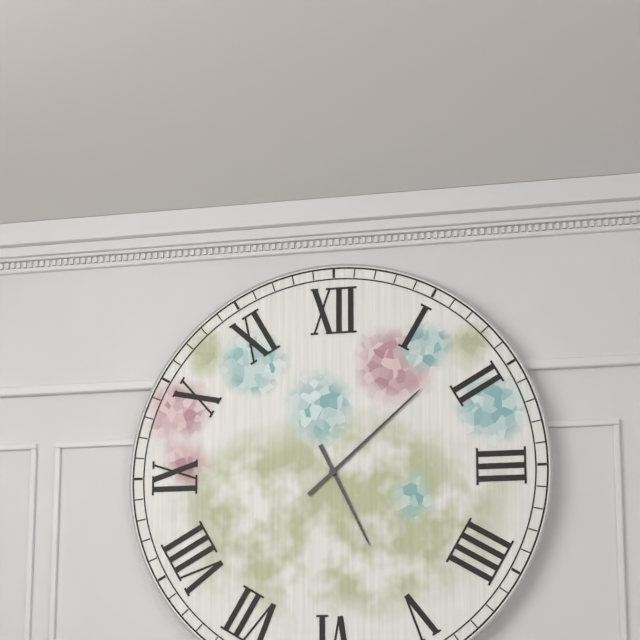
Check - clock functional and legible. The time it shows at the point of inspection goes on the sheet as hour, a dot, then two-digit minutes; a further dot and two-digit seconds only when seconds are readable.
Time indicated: 5.08
